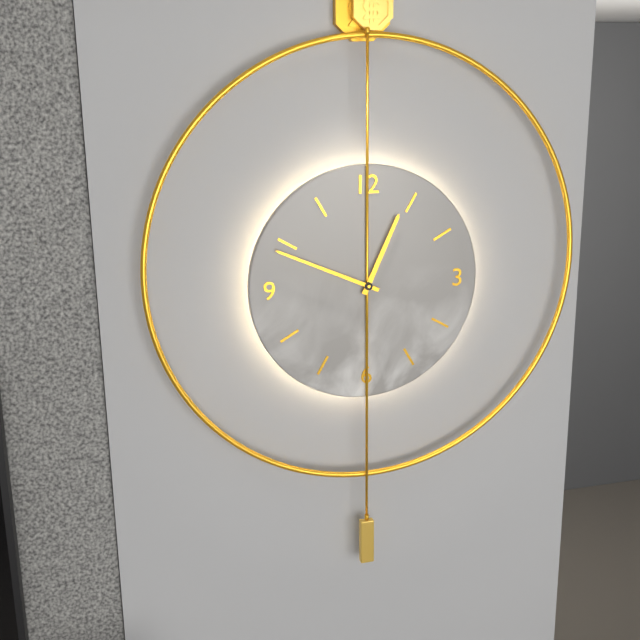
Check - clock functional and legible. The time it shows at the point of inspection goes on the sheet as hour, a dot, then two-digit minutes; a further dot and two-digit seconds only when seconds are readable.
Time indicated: 12.49
